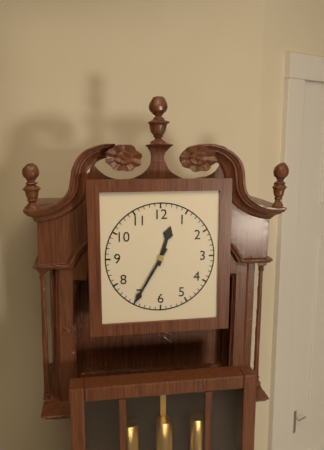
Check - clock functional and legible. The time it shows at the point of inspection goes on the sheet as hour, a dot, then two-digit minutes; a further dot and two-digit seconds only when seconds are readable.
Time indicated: 12.35
